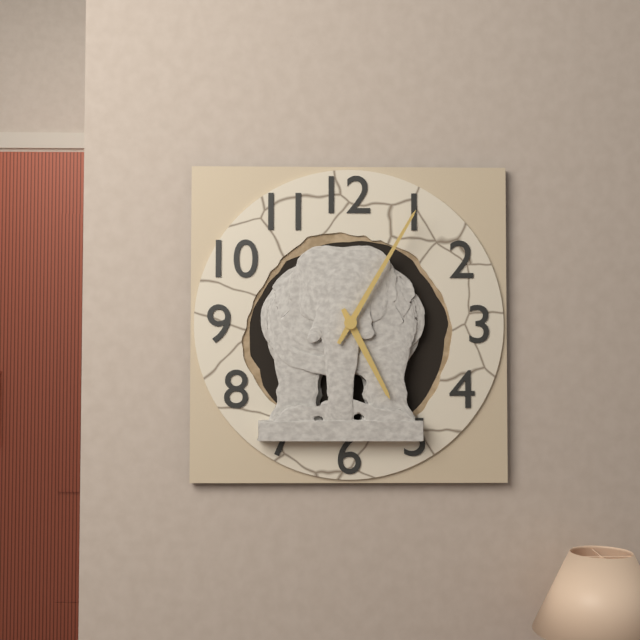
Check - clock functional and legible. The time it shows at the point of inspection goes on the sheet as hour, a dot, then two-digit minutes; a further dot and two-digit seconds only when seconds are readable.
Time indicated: 5.05
